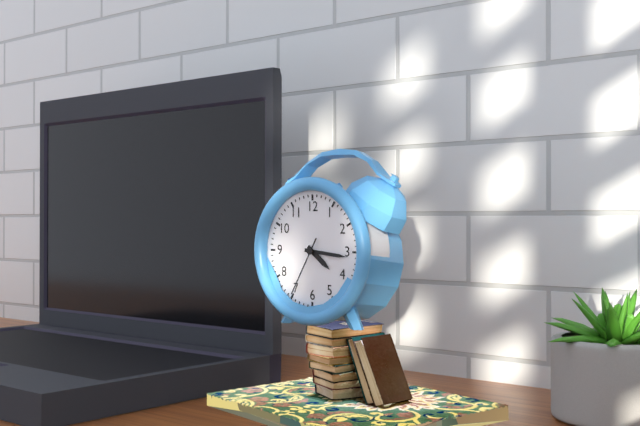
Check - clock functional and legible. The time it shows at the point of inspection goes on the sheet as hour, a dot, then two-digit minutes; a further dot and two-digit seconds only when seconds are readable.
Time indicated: 4.16.35
